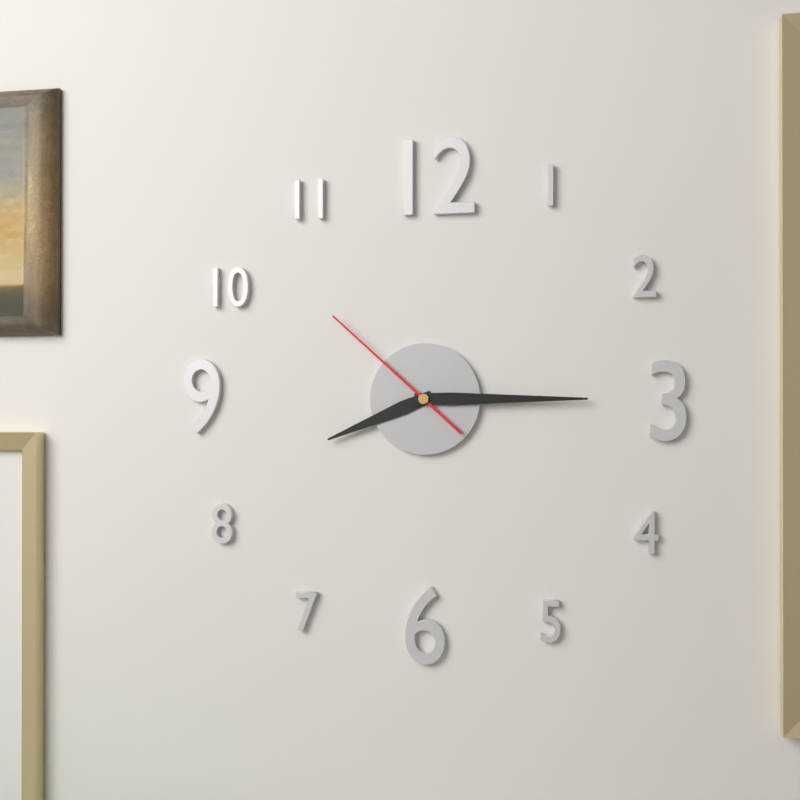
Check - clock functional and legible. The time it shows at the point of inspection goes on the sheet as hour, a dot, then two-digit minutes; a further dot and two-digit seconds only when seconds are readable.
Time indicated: 8.15.52
